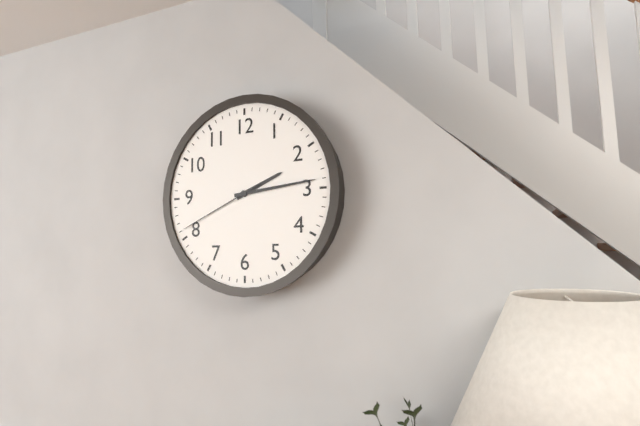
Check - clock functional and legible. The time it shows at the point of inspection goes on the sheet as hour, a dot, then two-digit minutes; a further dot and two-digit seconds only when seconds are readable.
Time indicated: 2.14.41
